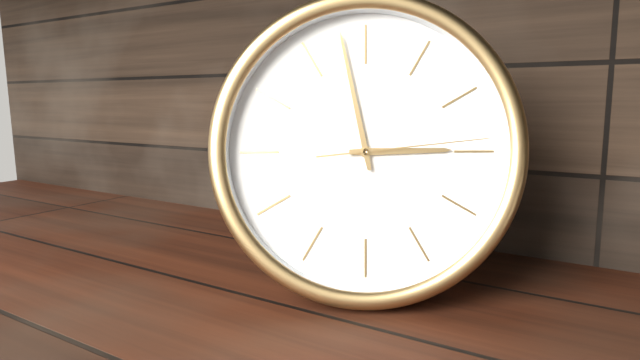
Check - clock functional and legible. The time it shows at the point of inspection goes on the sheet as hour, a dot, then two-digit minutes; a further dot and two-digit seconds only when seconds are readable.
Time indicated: 2.58.14
